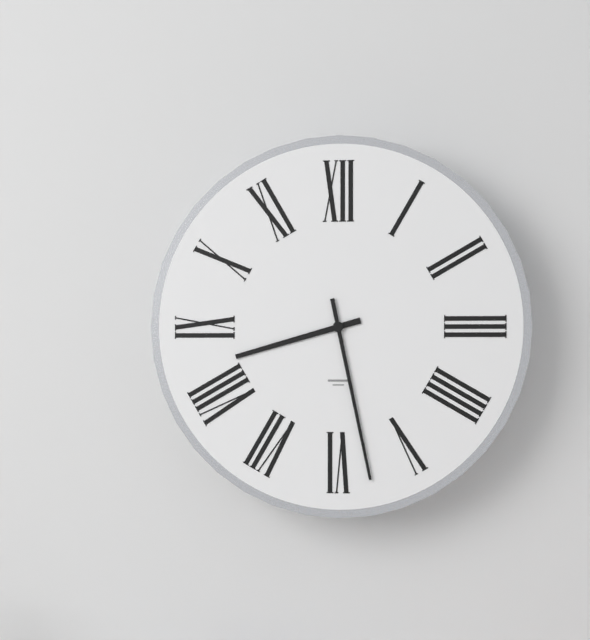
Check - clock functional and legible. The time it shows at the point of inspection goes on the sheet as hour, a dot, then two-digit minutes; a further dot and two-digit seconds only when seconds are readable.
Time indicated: 8.28
